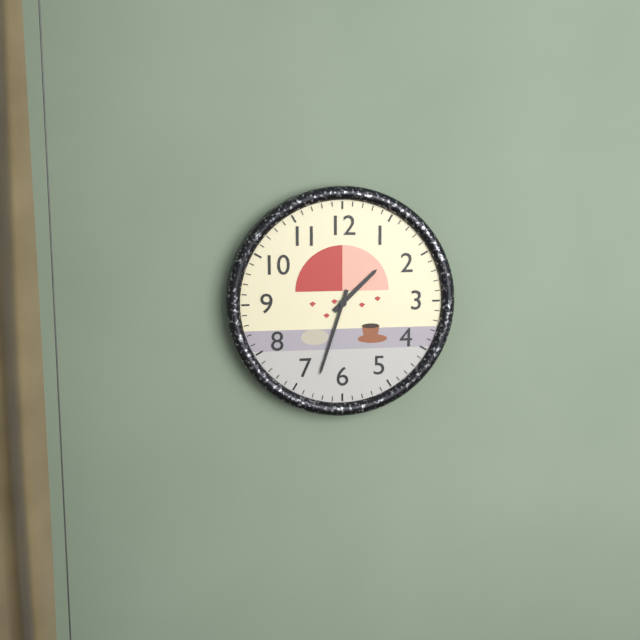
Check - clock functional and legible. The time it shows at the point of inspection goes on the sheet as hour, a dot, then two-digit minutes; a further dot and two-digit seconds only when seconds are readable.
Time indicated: 1.33
